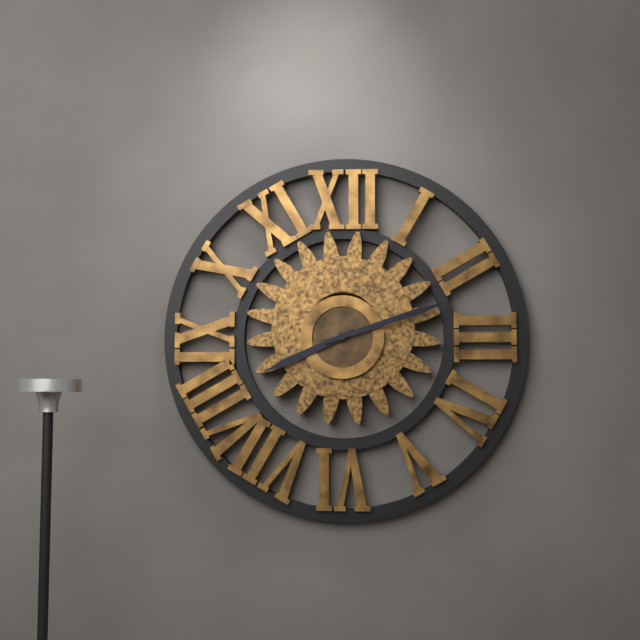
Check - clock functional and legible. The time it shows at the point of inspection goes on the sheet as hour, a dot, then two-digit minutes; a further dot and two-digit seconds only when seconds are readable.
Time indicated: 8.12
